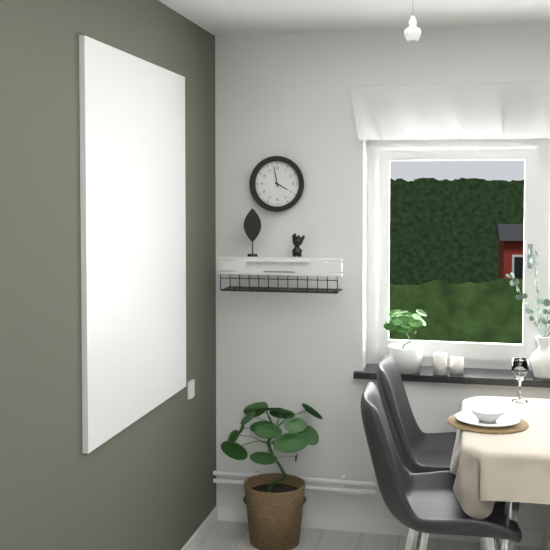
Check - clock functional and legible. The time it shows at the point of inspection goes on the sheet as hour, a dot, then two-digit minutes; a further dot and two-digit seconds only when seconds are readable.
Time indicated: 3.58
